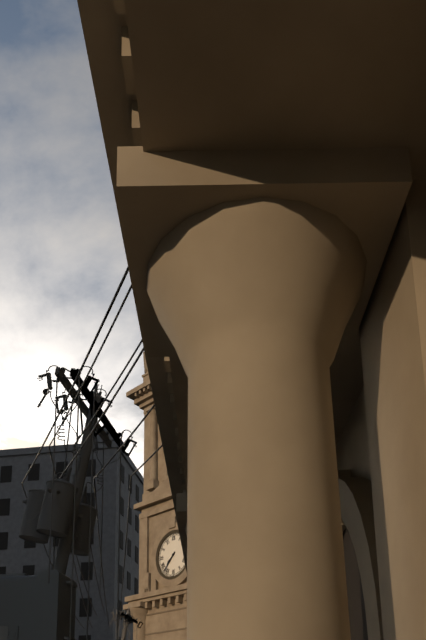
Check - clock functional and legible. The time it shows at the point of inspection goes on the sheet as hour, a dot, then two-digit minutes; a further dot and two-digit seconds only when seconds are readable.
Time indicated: 7.37
